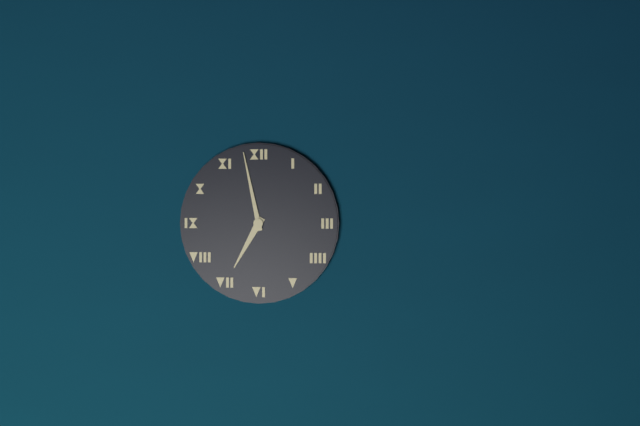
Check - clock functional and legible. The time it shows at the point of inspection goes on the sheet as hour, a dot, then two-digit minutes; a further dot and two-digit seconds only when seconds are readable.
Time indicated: 6.58
